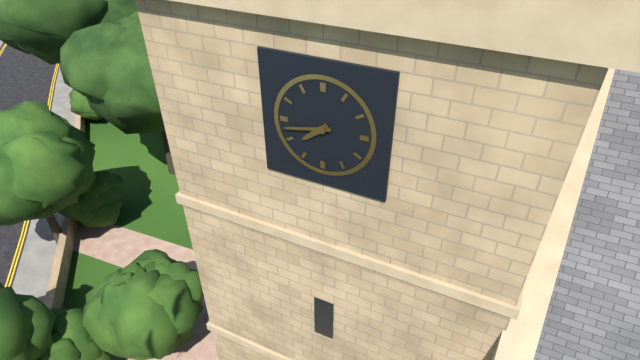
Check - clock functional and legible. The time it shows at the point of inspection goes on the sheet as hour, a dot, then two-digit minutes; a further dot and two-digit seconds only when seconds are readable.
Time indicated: 7.43
